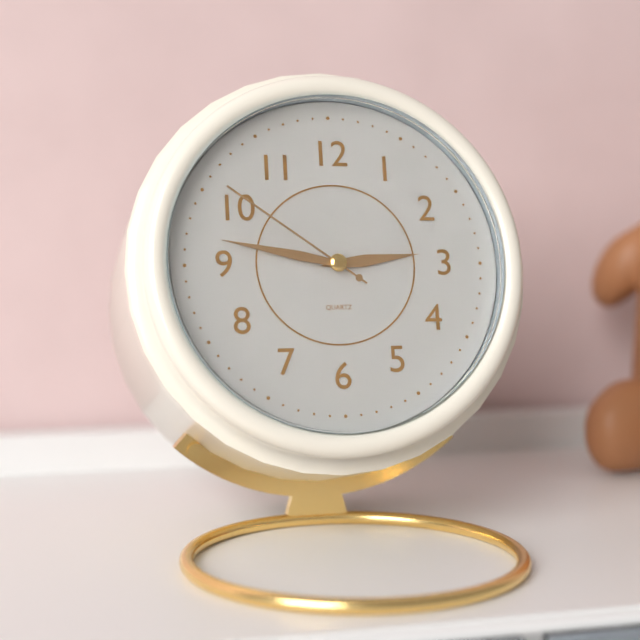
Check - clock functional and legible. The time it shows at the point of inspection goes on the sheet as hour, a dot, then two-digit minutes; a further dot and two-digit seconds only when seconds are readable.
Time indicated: 2.47.51
